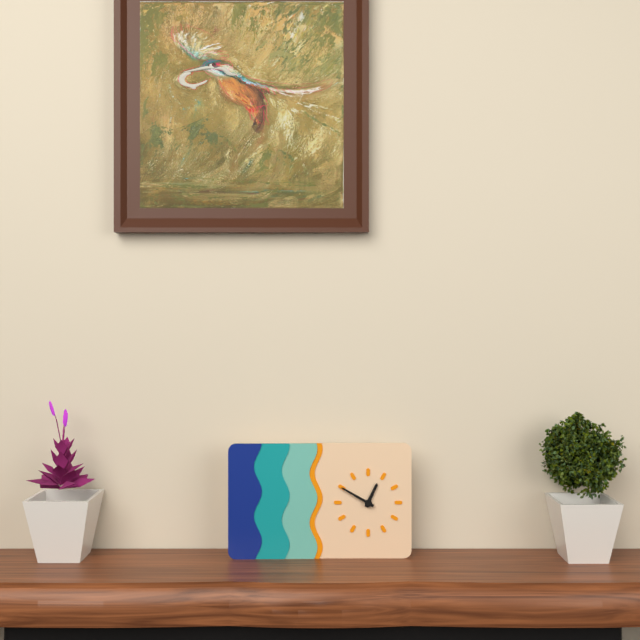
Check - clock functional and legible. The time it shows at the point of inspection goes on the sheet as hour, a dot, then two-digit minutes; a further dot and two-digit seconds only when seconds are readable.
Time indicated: 12.50
